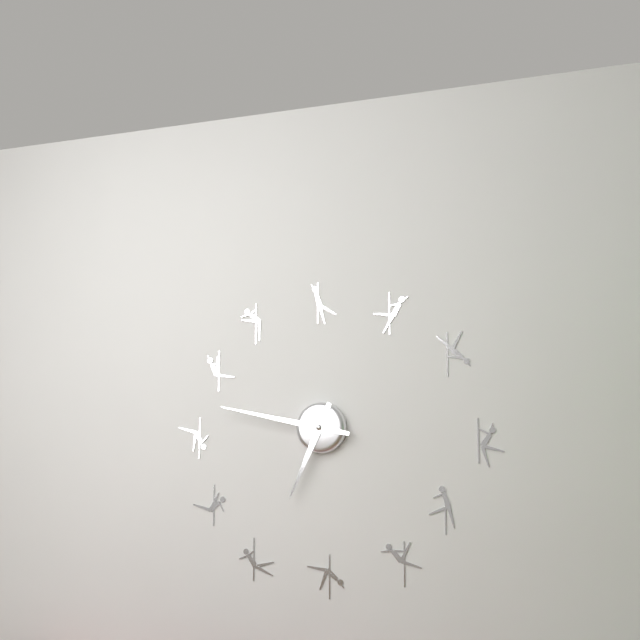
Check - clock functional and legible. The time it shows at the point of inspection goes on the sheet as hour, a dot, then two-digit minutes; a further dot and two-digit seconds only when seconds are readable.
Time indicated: 6.47
